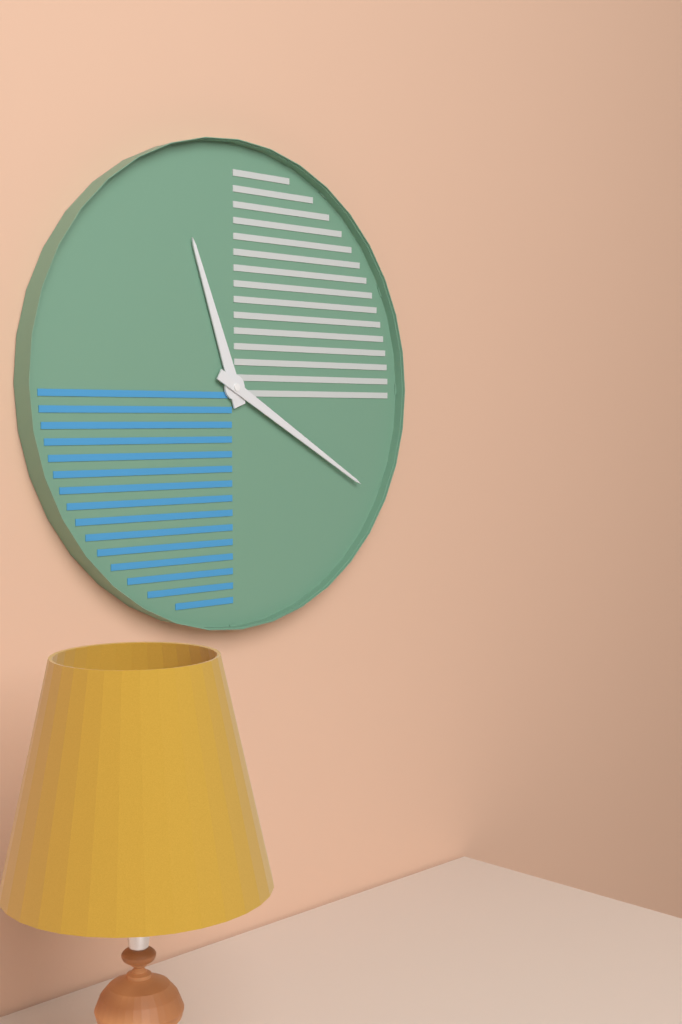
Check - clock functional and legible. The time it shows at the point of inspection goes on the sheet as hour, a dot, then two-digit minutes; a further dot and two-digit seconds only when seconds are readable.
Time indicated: 11.20
